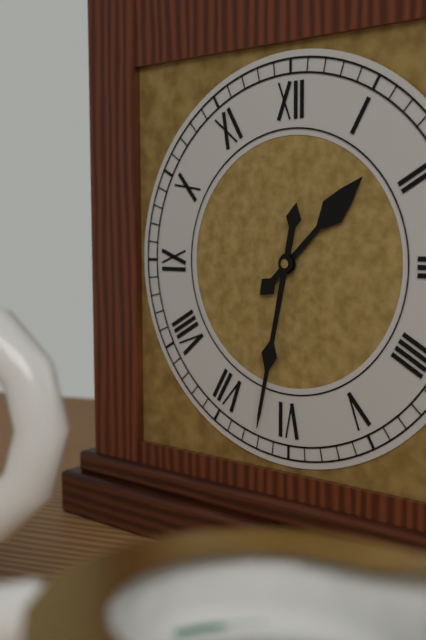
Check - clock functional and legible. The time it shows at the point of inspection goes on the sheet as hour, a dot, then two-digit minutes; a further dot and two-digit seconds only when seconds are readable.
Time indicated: 1.32
